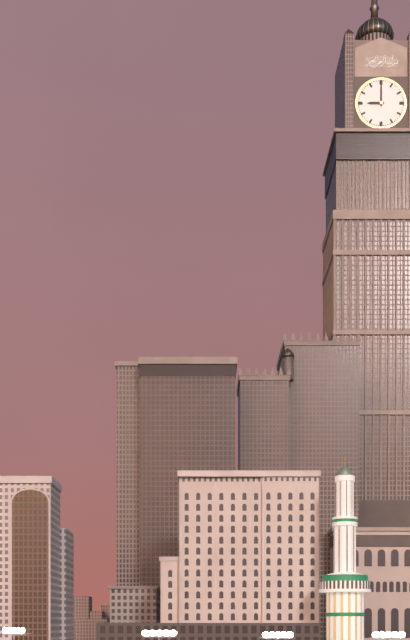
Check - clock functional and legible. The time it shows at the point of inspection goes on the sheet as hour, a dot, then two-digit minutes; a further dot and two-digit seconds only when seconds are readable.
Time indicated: 9.00
